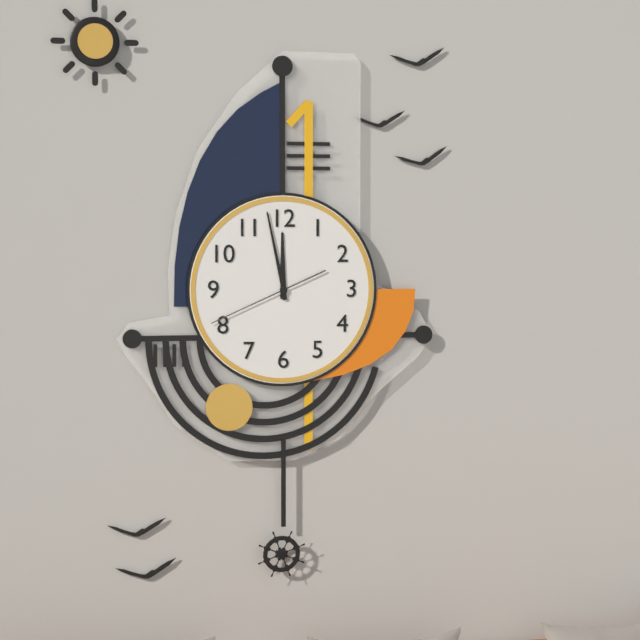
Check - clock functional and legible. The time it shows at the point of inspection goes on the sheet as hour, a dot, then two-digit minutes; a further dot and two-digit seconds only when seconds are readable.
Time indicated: 11.58.41
